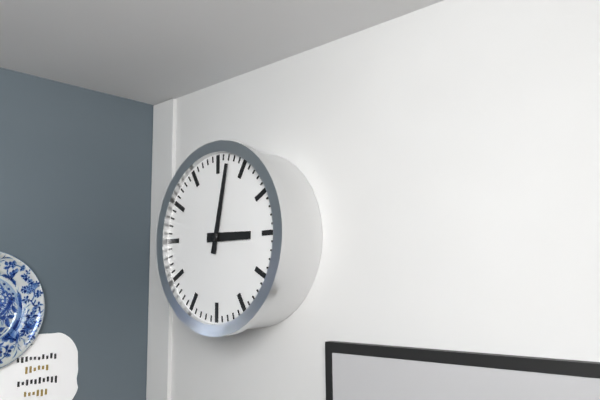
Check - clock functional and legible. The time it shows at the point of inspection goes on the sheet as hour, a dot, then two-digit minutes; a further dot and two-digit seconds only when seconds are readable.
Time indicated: 3.02
